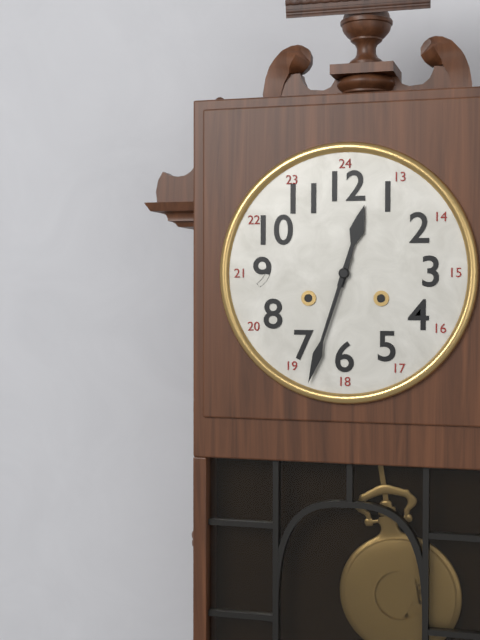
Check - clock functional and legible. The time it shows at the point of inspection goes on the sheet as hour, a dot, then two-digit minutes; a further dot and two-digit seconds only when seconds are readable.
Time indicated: 12.33
